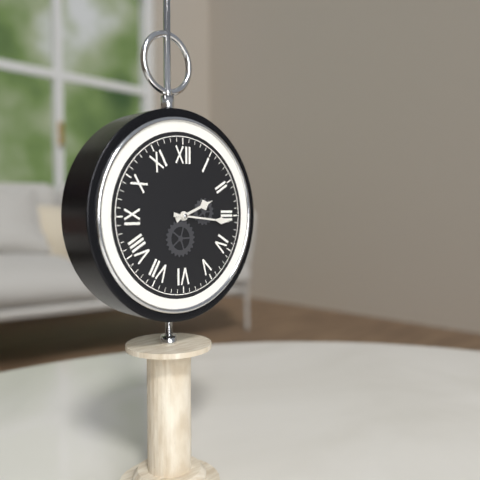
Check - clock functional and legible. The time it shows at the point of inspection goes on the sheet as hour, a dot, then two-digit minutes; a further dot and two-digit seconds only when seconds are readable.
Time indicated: 2.16
